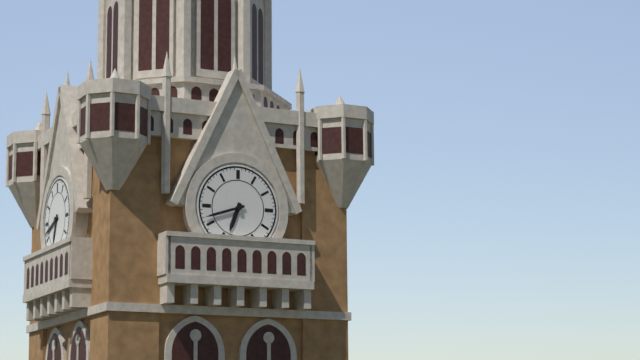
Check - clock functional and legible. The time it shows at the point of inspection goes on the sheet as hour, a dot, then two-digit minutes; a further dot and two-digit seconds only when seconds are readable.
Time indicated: 6.42
